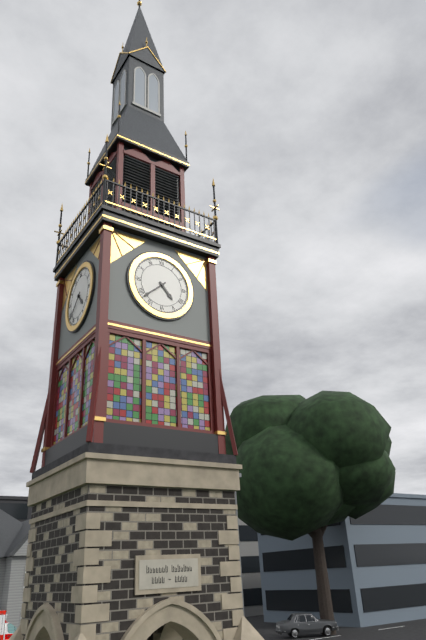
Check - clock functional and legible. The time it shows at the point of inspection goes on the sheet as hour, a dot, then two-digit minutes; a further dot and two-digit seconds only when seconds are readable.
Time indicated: 4.38
